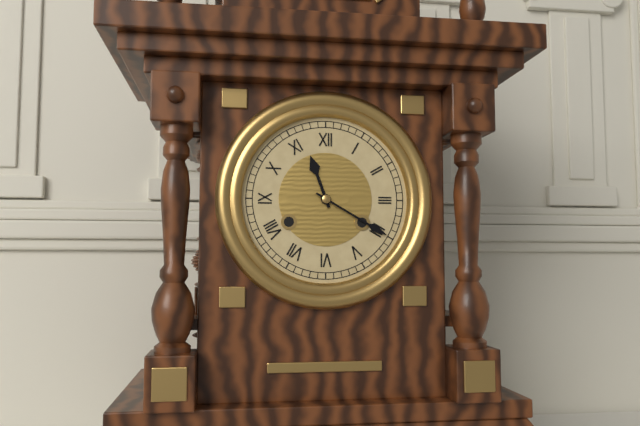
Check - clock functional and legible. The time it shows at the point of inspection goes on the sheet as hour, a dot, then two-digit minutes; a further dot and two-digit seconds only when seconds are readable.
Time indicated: 11.20
